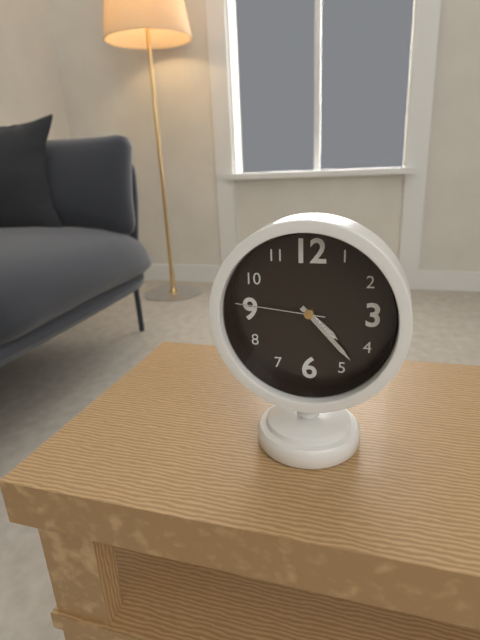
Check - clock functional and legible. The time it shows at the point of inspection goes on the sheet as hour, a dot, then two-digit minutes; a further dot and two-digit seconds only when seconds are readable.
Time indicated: 4.23.46
